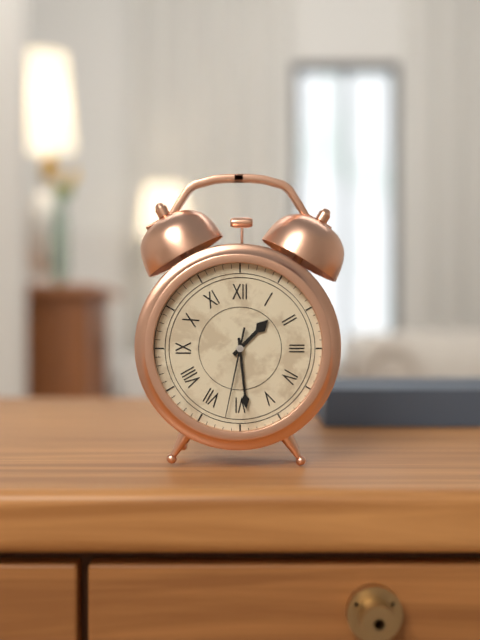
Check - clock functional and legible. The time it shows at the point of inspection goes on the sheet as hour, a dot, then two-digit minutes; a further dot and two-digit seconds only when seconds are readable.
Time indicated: 1.29.32
